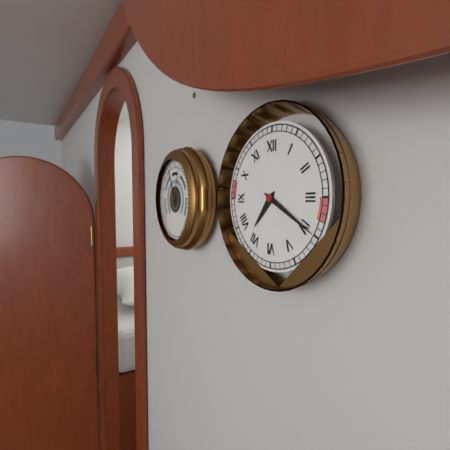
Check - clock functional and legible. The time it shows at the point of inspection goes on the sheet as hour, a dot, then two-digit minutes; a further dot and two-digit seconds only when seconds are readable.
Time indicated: 7.20
